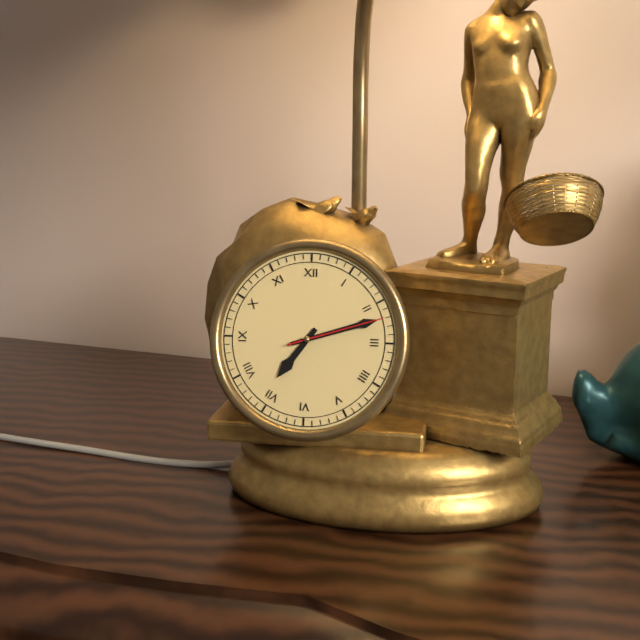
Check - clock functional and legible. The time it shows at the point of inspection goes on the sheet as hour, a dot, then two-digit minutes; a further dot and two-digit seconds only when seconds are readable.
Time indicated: 7.12.12
